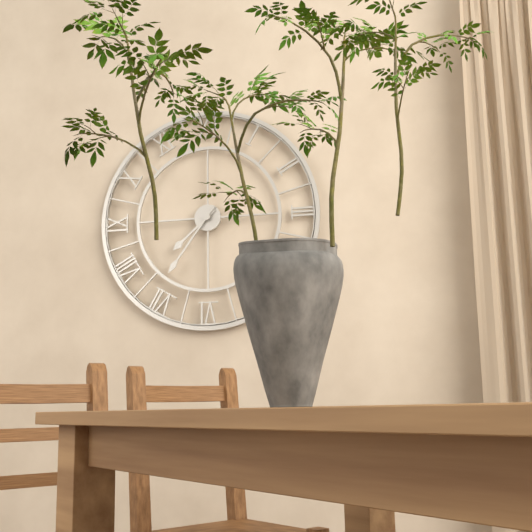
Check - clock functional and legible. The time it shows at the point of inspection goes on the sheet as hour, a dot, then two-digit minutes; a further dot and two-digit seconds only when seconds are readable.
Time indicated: 7.36
